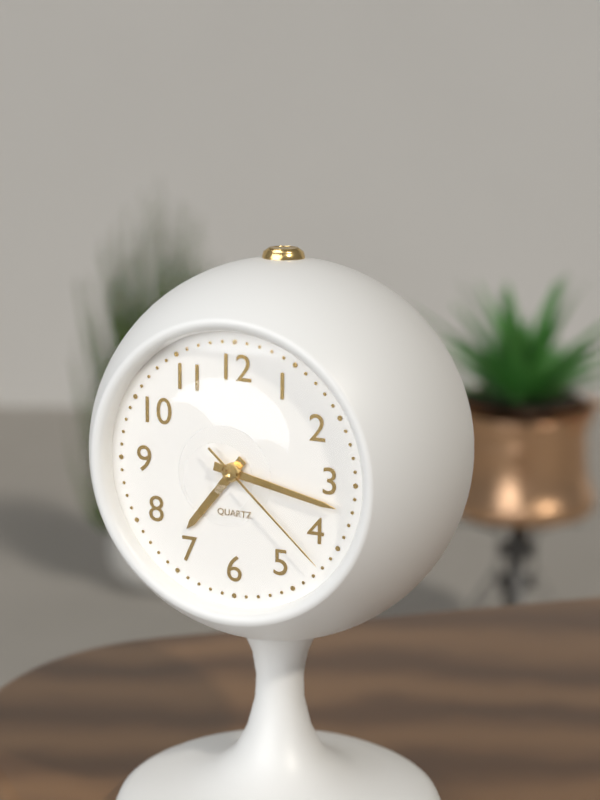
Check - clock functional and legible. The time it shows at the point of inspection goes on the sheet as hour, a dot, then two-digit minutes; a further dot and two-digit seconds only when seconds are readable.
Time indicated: 7.17.22
